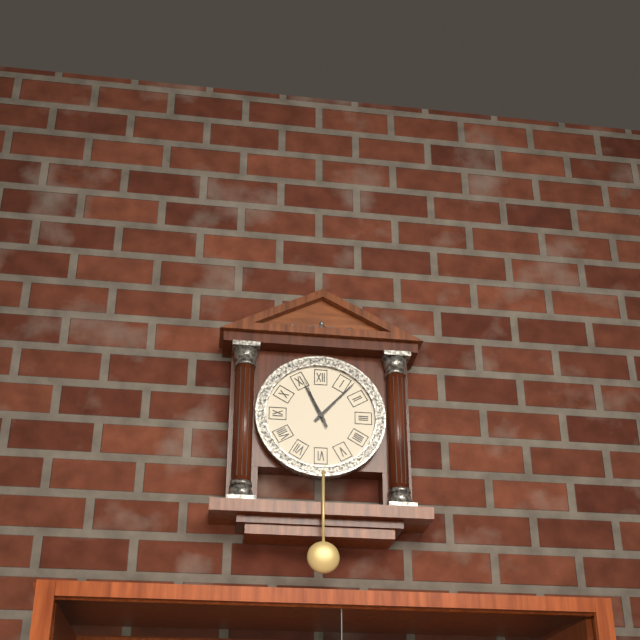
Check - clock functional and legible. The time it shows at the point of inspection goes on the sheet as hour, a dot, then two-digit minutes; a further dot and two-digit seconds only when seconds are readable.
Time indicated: 11.07.56
